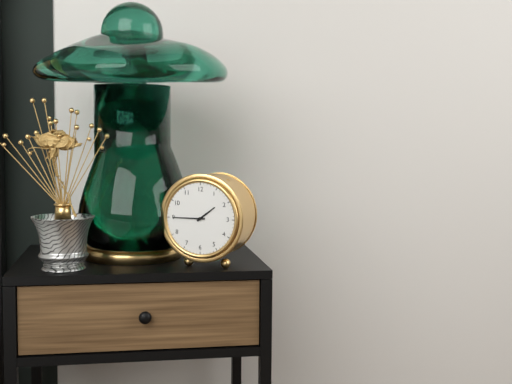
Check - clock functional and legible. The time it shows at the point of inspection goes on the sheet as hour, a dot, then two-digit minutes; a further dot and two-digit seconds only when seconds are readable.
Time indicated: 1.45
